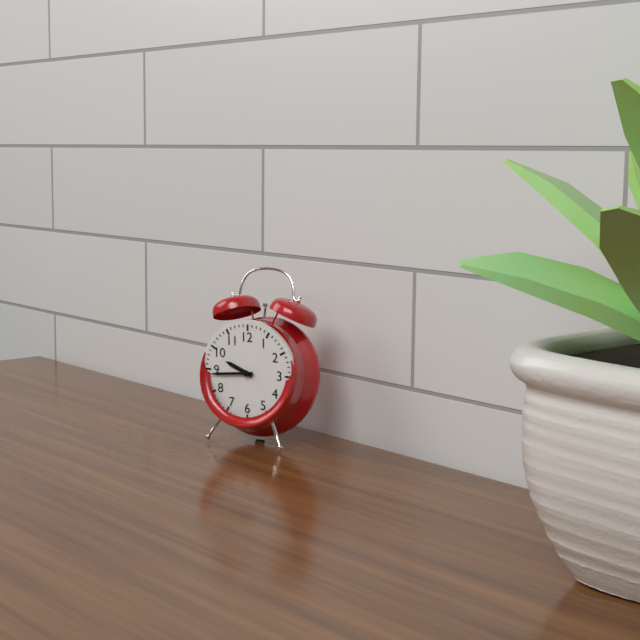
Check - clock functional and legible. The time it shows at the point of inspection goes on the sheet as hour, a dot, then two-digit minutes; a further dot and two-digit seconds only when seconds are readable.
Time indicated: 9.44
